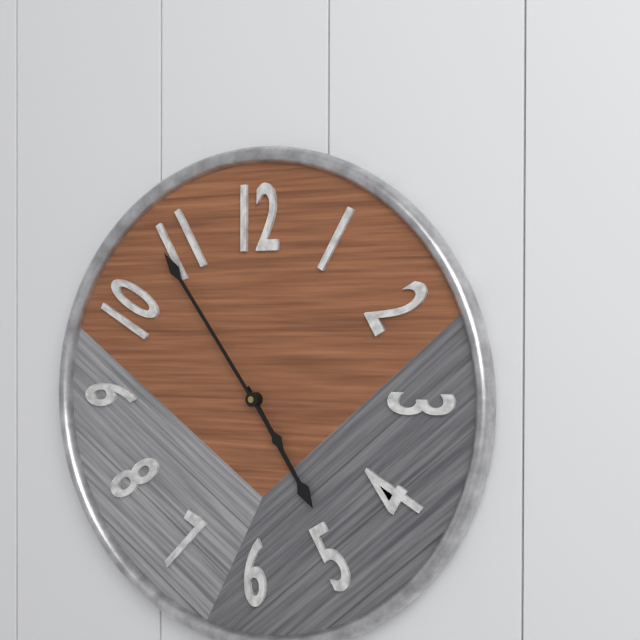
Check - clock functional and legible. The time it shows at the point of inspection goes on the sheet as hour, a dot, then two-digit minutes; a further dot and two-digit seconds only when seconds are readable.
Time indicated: 4.54
